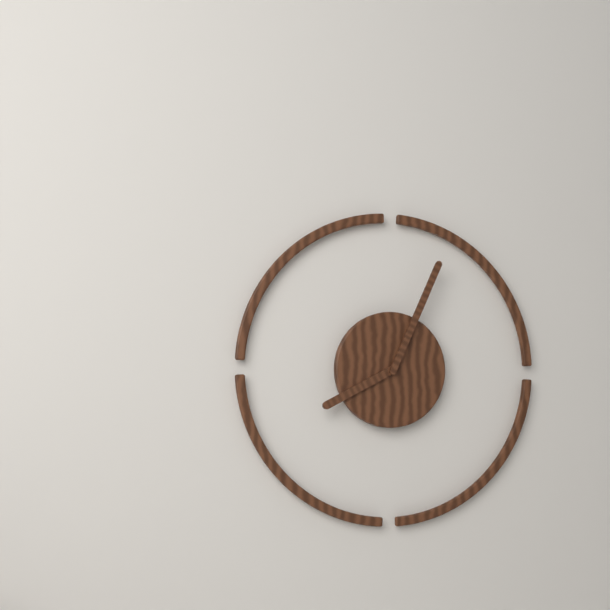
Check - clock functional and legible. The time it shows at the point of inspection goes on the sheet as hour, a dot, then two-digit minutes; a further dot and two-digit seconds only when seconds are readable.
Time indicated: 8.04
